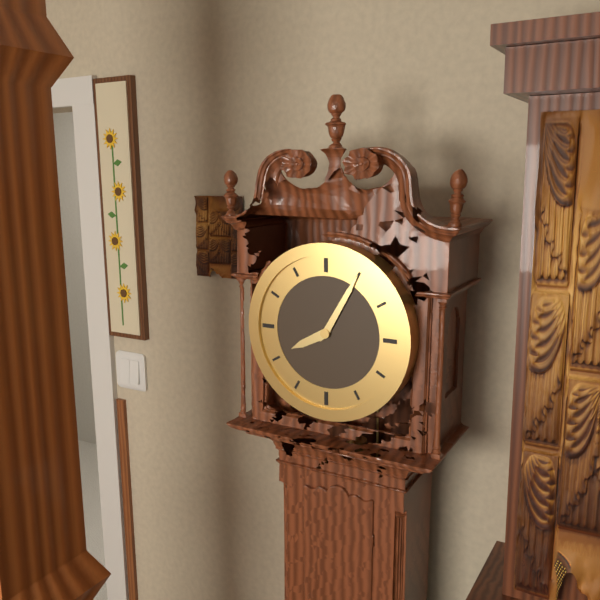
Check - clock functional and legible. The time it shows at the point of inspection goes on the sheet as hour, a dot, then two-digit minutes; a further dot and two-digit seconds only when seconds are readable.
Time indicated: 8.05
